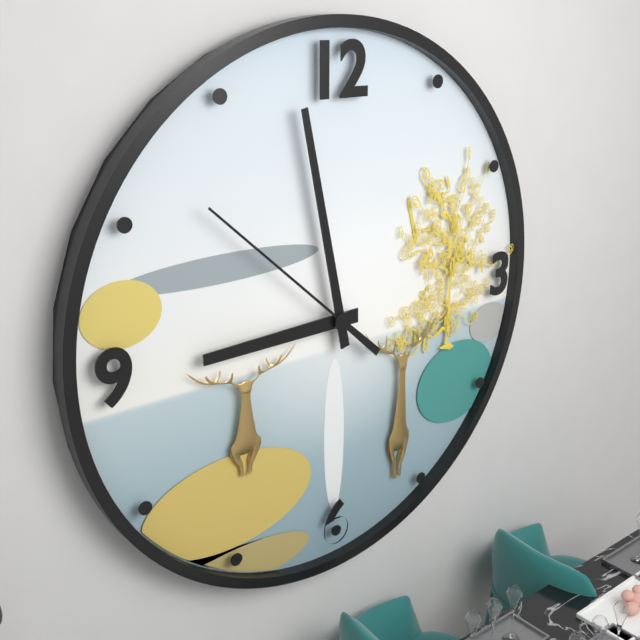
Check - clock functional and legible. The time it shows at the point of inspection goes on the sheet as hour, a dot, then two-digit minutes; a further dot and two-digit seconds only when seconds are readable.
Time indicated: 8.58.52
